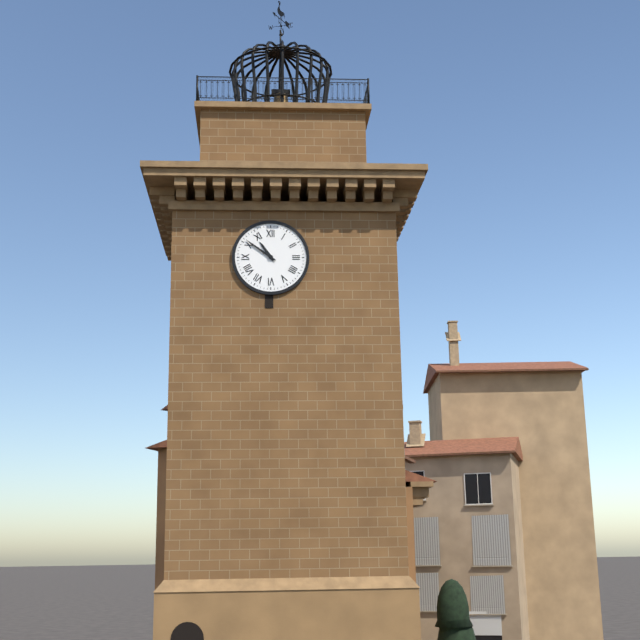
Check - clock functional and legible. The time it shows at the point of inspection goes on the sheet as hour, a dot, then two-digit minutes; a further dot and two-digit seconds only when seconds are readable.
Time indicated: 10.51
